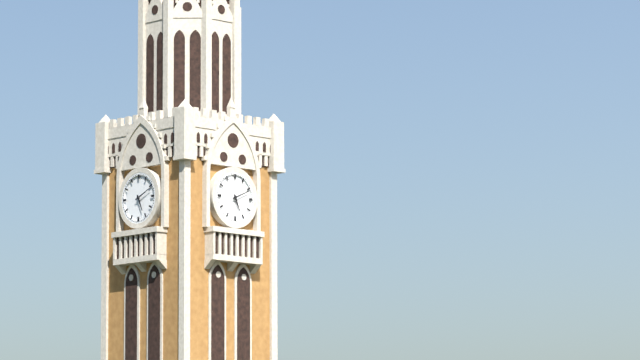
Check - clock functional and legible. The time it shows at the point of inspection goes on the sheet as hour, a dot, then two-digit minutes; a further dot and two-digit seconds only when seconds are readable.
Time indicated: 5.11
